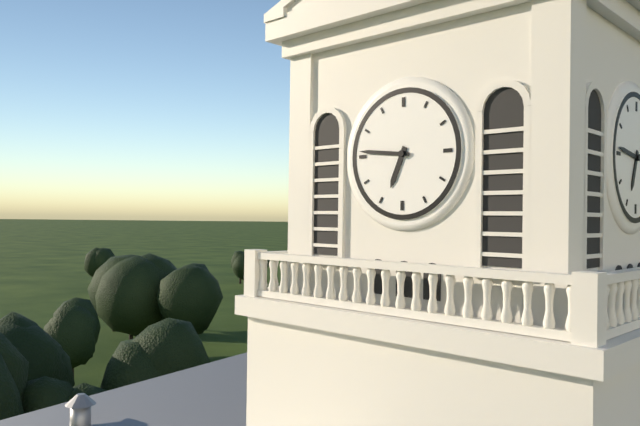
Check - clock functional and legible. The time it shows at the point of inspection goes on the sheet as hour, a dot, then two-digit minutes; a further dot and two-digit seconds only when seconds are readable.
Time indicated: 6.46
